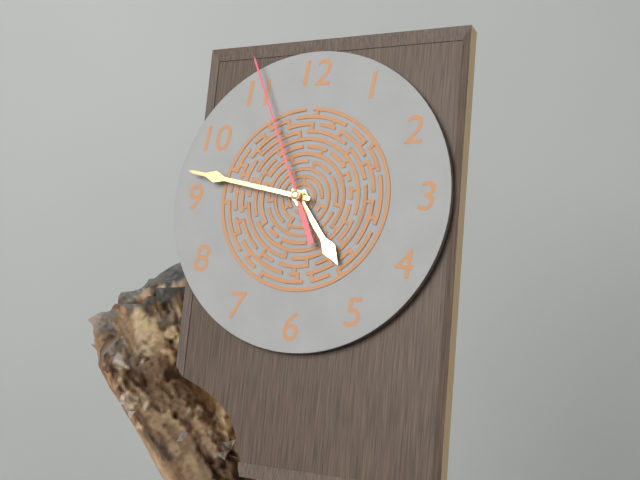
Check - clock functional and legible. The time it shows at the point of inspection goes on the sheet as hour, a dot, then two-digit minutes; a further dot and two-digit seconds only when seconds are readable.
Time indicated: 4.47.56
